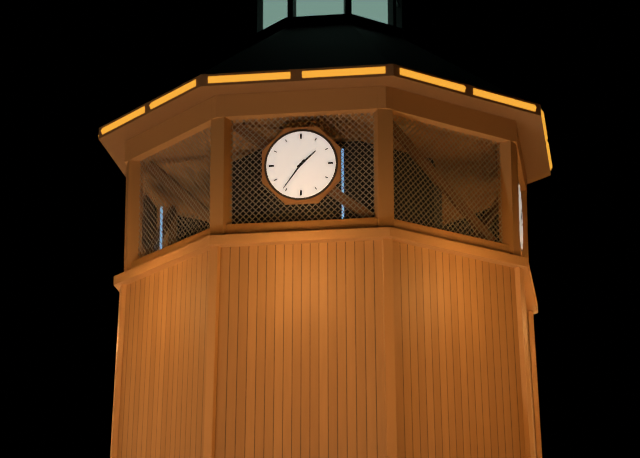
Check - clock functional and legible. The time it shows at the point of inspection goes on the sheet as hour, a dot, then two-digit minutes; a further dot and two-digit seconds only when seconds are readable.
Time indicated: 1.36
